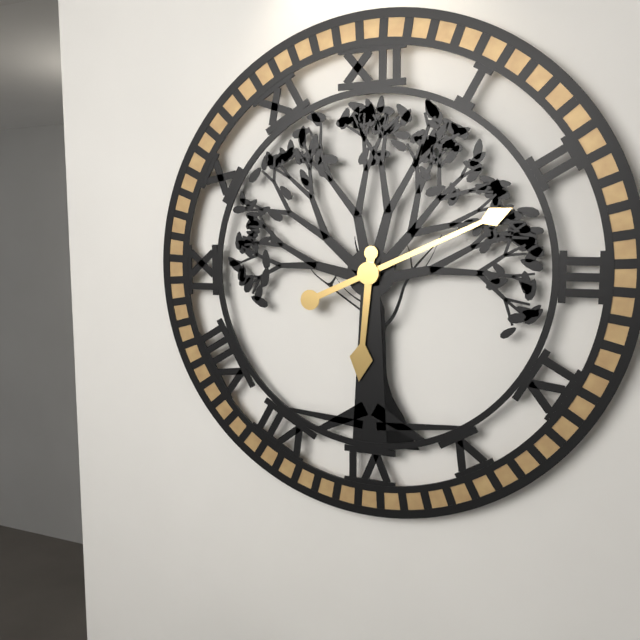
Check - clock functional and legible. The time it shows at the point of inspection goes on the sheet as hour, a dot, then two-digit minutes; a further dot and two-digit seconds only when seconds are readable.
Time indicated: 6.11
